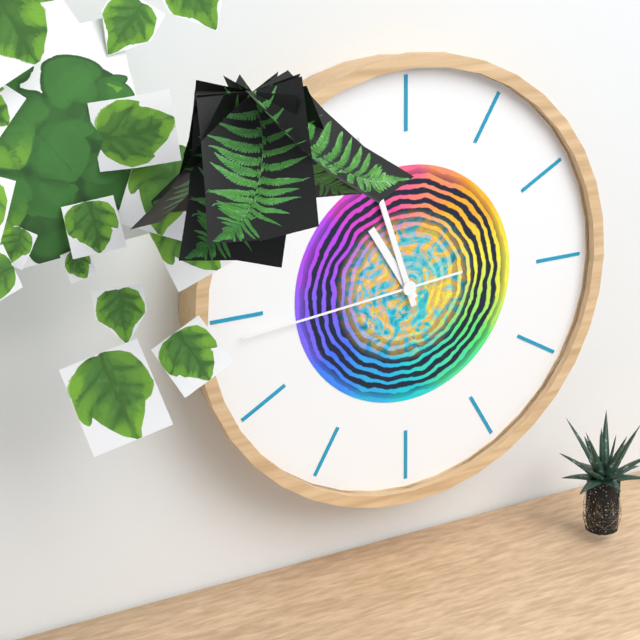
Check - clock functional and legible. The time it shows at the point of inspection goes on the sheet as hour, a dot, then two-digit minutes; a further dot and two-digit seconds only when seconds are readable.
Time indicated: 10.57.44
